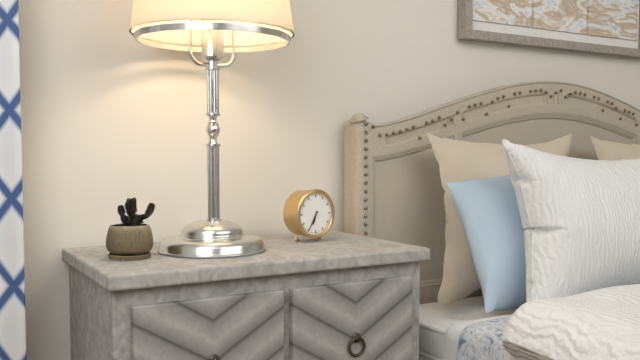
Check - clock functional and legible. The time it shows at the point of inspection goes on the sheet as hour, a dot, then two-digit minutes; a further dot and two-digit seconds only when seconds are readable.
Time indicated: 6.35
